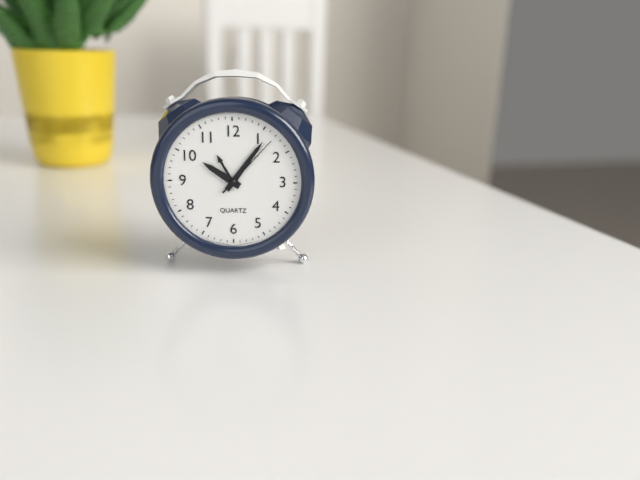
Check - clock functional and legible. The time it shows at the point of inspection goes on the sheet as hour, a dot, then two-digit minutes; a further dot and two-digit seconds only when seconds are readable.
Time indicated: 10.06.07
